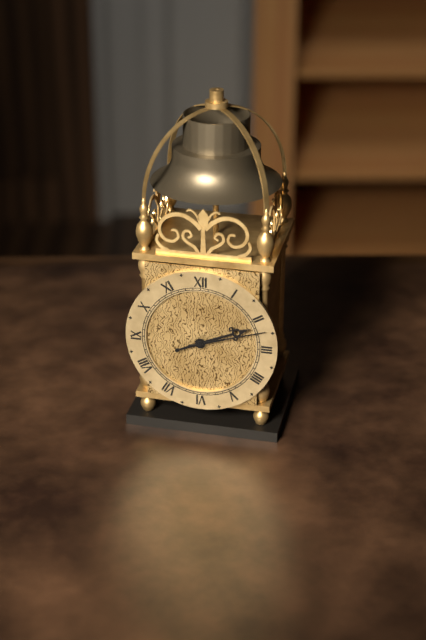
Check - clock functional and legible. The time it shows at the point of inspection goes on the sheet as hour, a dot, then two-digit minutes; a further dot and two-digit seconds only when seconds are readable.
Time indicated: 2.12
